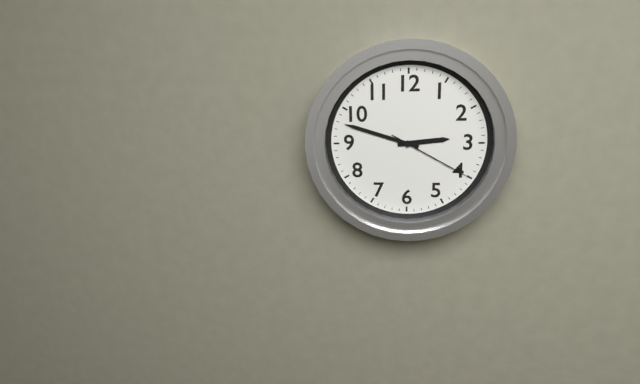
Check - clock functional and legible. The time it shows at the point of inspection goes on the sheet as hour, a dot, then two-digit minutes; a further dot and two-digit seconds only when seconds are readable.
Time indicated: 2.48.20
